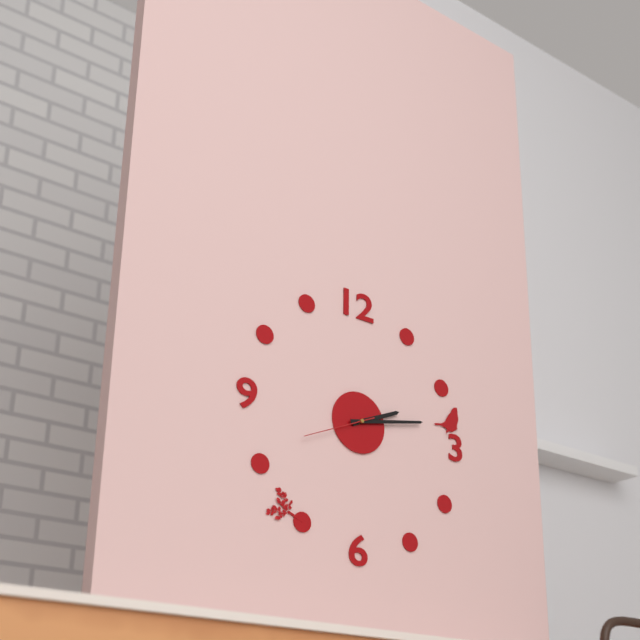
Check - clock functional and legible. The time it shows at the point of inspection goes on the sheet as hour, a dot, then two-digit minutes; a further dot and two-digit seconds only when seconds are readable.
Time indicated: 2.13.41
